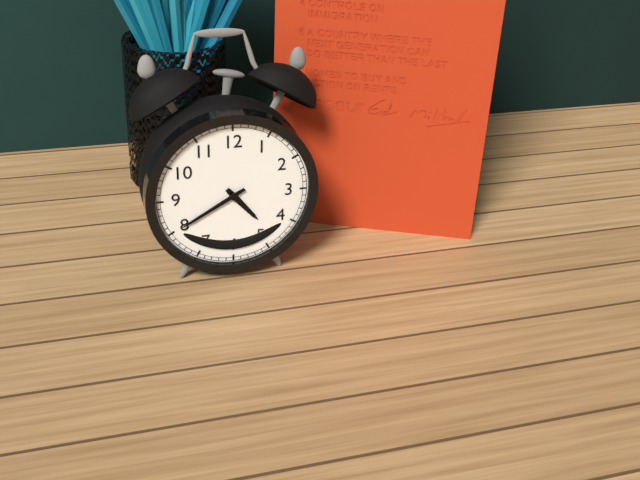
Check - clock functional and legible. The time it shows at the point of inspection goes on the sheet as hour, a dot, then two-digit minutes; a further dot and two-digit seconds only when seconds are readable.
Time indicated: 4.40
